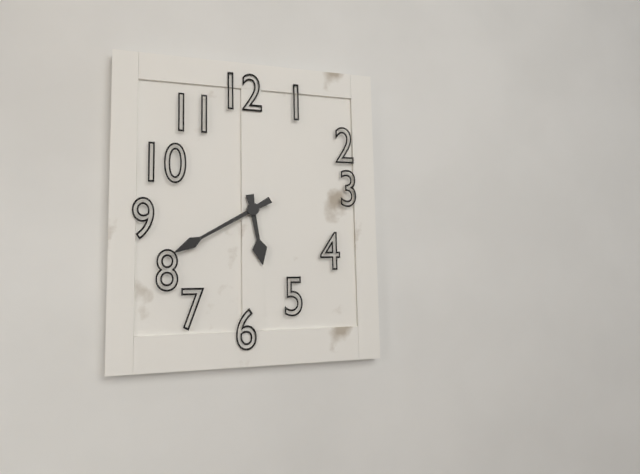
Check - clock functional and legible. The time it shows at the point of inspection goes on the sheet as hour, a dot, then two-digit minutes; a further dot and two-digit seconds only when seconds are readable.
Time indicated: 5.40
